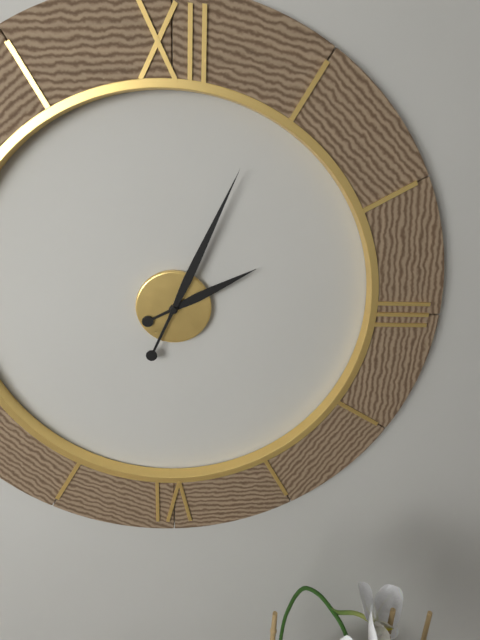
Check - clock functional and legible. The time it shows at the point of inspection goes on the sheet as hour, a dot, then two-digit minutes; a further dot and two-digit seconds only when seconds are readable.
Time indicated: 2.04
